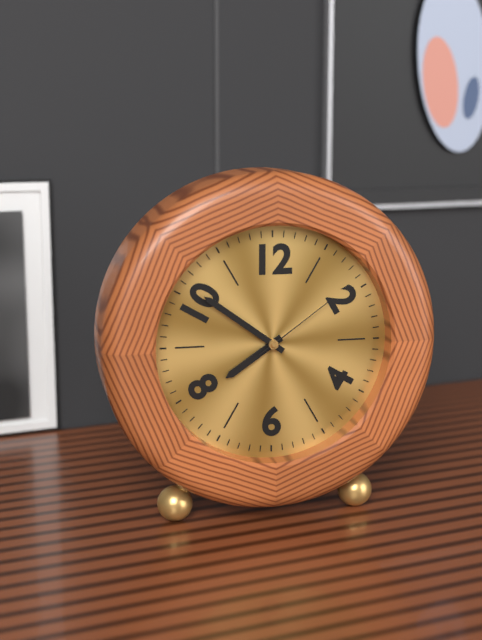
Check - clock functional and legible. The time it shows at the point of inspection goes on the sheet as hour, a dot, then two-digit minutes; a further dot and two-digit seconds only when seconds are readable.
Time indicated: 7.51.09
